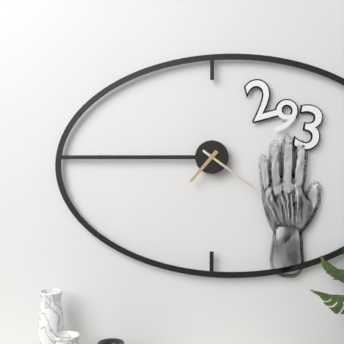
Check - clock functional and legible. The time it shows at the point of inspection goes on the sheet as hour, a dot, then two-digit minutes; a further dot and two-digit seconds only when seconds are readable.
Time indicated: 7.21
